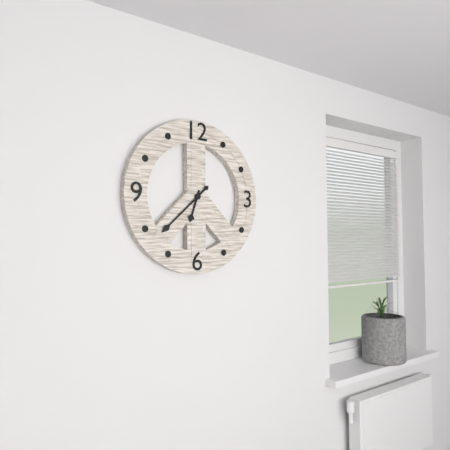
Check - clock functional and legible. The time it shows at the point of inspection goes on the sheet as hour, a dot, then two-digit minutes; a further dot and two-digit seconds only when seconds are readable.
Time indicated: 6.38
